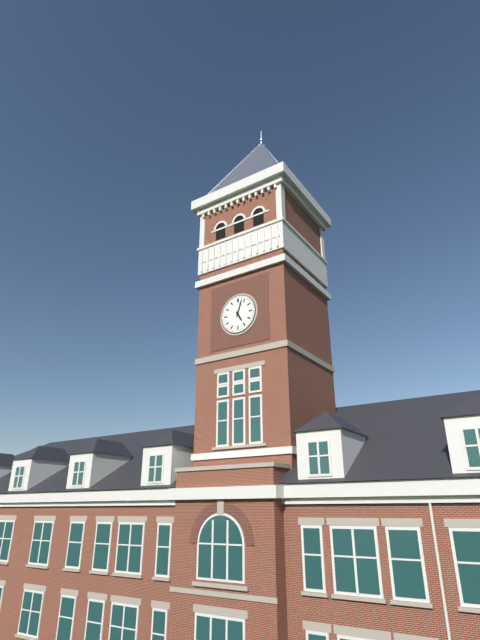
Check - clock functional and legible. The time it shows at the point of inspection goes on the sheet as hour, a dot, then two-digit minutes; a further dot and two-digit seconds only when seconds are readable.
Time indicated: 5.03
